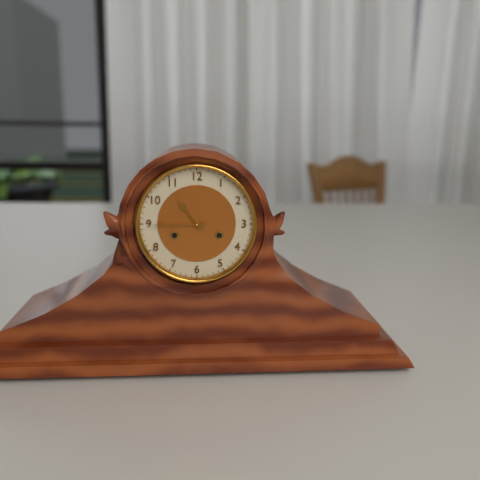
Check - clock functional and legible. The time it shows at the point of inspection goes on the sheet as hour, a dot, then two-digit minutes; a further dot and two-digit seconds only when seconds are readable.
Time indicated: 10.45
